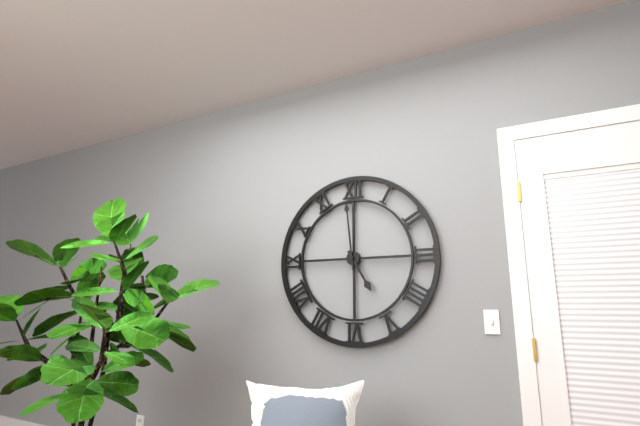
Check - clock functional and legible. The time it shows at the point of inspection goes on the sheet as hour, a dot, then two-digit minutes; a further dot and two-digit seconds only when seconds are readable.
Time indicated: 4.59
